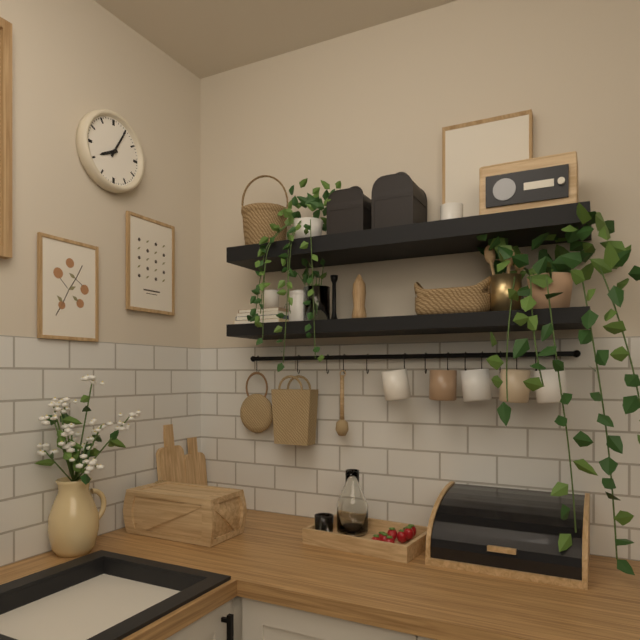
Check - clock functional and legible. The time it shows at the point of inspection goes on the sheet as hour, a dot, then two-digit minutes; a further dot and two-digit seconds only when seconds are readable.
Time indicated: 8.05
